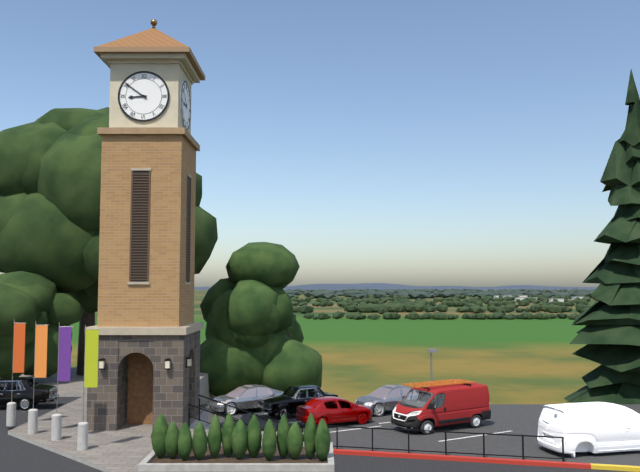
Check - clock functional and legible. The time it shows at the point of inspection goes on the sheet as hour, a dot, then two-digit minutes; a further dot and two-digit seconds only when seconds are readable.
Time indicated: 8.51
